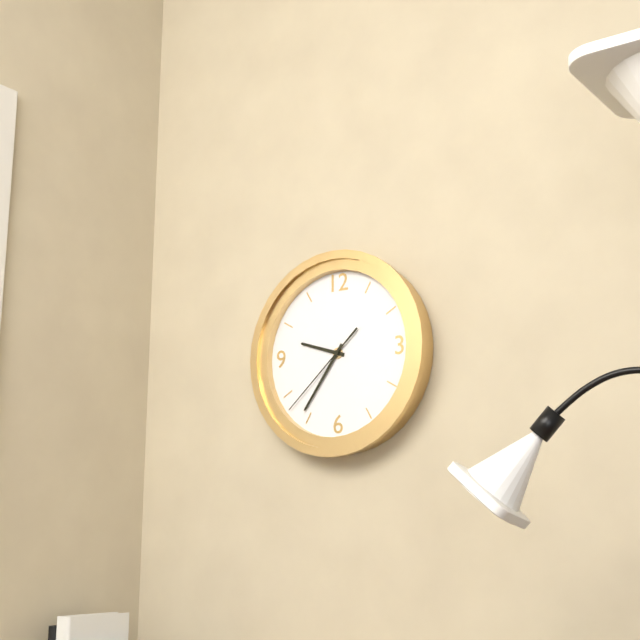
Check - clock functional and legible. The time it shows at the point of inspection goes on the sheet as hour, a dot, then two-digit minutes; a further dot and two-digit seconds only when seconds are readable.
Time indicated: 9.36.38
